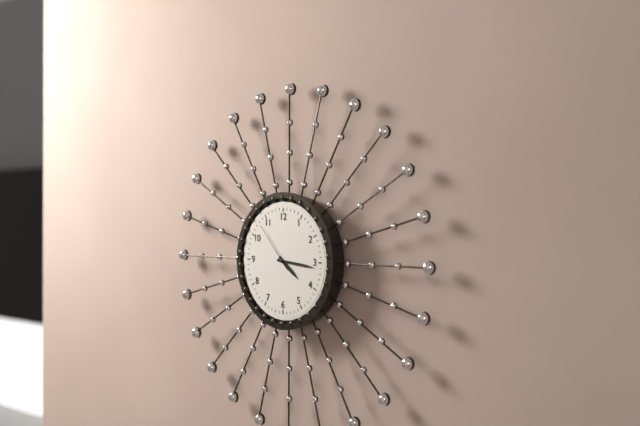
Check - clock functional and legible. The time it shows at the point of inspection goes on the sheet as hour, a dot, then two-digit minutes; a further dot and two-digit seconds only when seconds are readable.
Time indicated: 4.16.53
